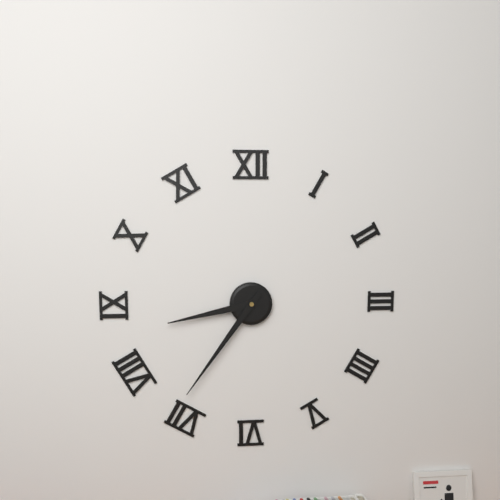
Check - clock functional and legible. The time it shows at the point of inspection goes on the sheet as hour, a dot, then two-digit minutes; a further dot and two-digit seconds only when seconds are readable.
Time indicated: 8.36
